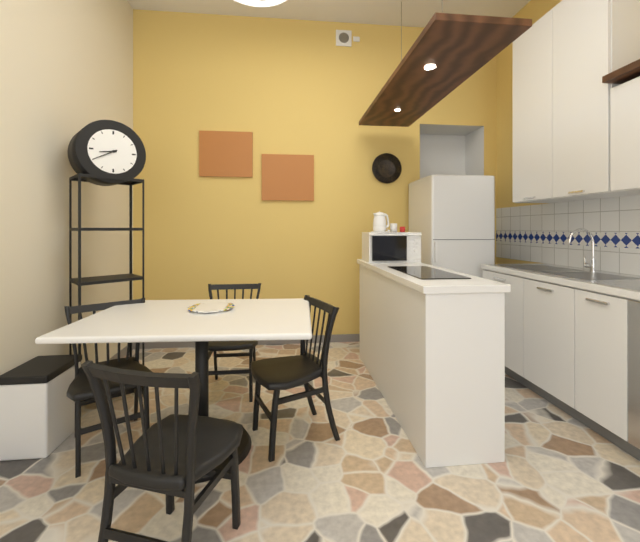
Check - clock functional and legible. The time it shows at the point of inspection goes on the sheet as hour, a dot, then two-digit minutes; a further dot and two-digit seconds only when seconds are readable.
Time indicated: 8.40
